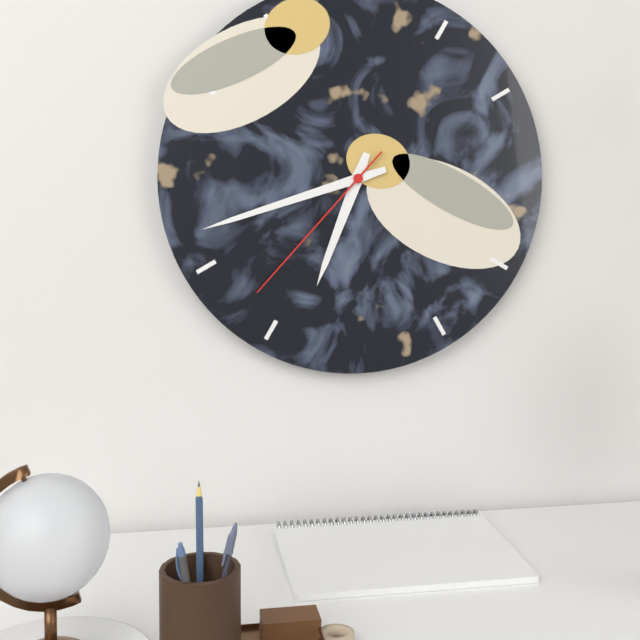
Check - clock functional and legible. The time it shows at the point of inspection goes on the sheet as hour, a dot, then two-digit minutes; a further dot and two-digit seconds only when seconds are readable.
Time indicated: 6.42.37
